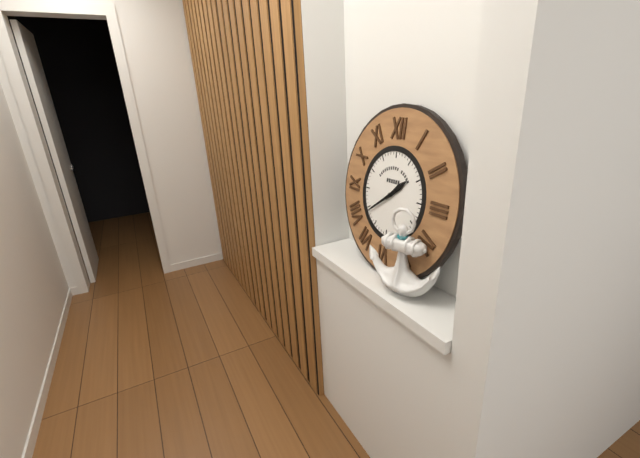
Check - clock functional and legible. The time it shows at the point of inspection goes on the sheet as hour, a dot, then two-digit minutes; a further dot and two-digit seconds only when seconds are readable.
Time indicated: 1.39
